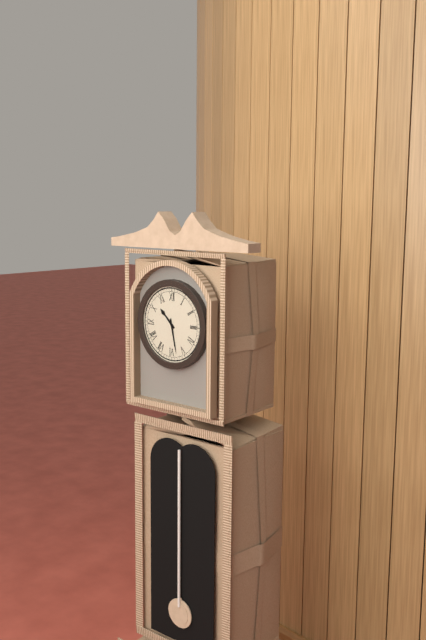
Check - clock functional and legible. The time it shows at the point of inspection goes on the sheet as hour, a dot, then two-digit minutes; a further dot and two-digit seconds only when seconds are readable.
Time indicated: 10.28
